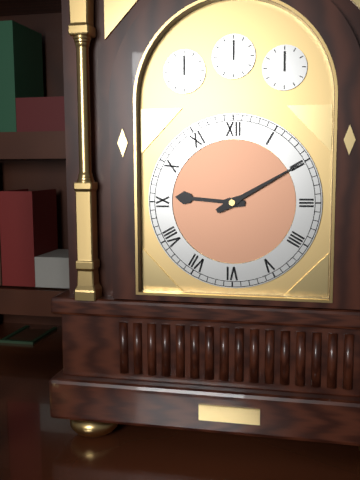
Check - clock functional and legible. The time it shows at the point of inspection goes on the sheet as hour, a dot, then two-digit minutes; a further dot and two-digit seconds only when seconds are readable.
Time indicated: 9.10
